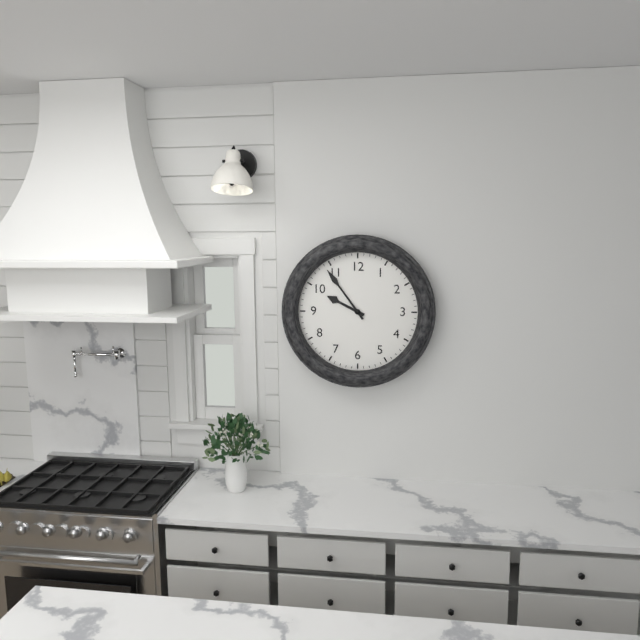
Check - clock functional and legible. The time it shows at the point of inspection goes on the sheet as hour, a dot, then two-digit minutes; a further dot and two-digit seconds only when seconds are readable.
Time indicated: 9.54
